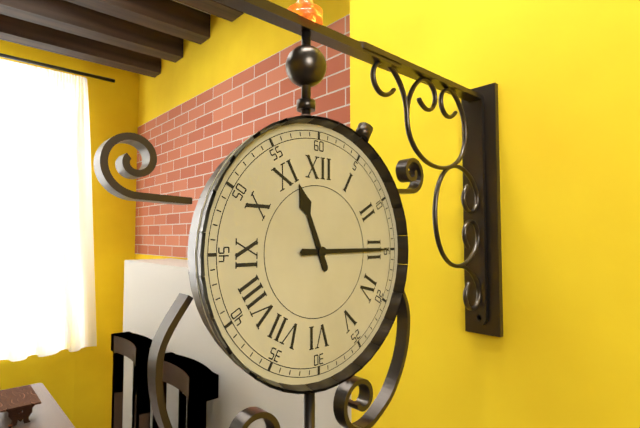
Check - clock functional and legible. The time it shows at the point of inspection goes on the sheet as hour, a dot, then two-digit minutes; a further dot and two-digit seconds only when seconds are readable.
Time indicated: 11.15
